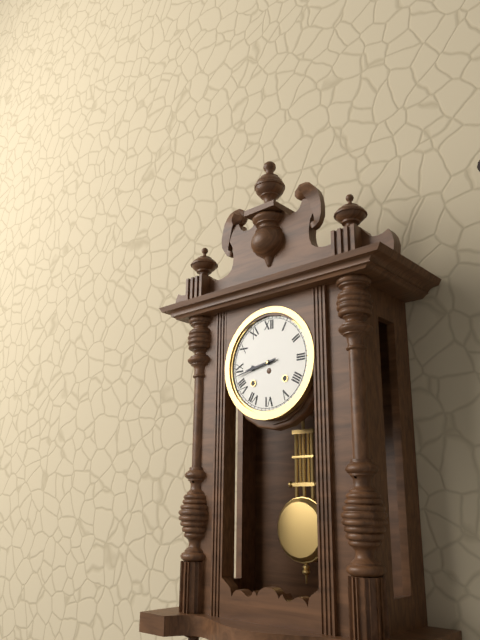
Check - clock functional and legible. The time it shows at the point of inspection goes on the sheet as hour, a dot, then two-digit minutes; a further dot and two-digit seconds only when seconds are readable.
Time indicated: 8.43
